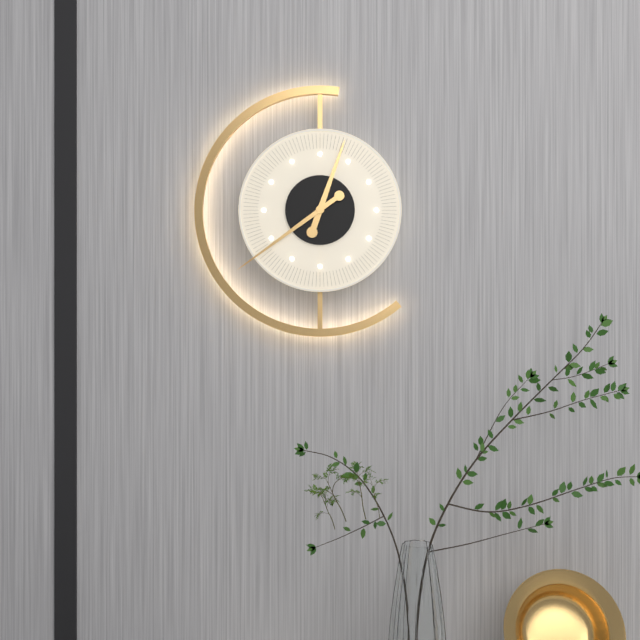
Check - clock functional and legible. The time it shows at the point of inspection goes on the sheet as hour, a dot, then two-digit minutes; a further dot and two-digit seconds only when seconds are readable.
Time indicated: 12.39
